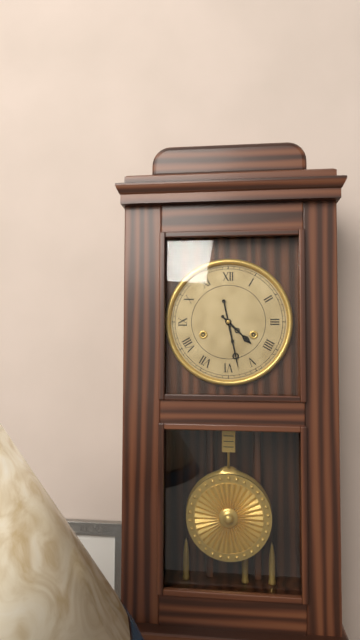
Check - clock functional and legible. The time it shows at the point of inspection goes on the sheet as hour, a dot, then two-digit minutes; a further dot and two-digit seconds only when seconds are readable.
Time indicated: 4.28
